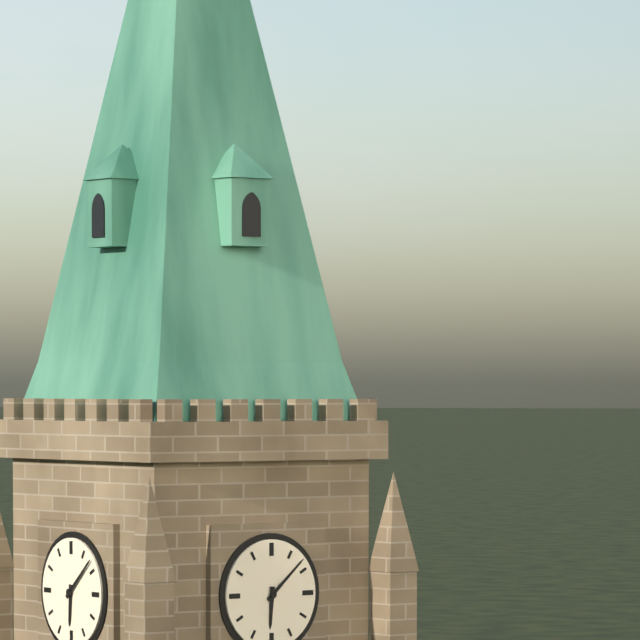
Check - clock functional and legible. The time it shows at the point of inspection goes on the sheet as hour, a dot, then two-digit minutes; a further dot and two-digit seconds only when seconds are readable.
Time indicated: 6.08
